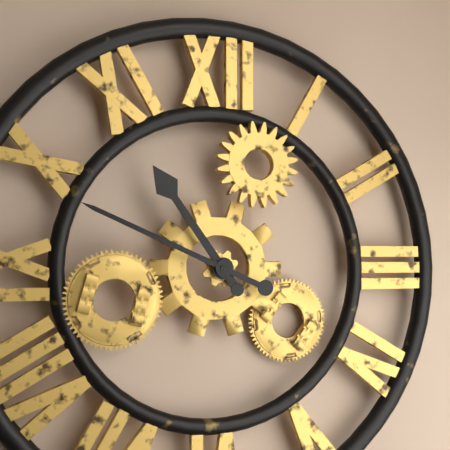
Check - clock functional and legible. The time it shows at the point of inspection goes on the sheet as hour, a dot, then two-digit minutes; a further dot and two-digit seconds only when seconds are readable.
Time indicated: 10.49
